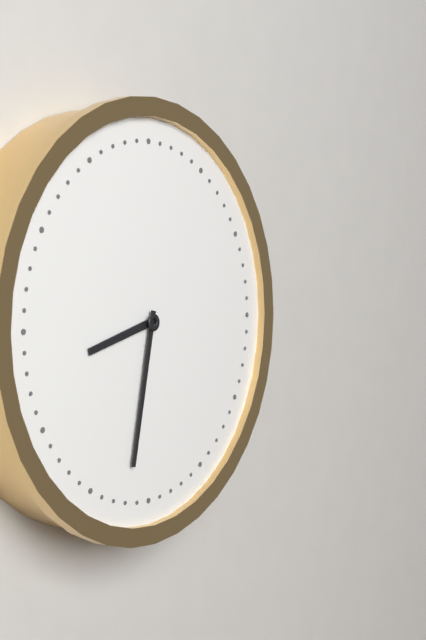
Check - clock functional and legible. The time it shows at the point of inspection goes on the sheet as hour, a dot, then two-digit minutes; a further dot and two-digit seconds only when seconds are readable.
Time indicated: 8.32
